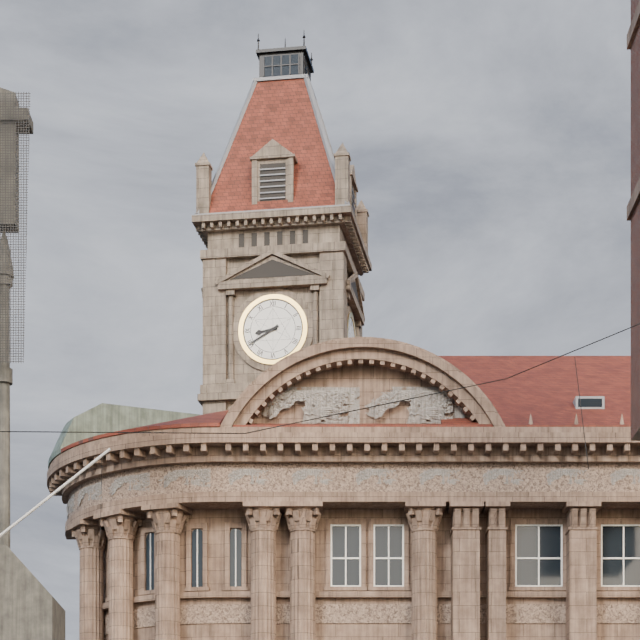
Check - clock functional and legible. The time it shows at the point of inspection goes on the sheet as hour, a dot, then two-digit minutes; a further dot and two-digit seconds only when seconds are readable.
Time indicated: 8.40
